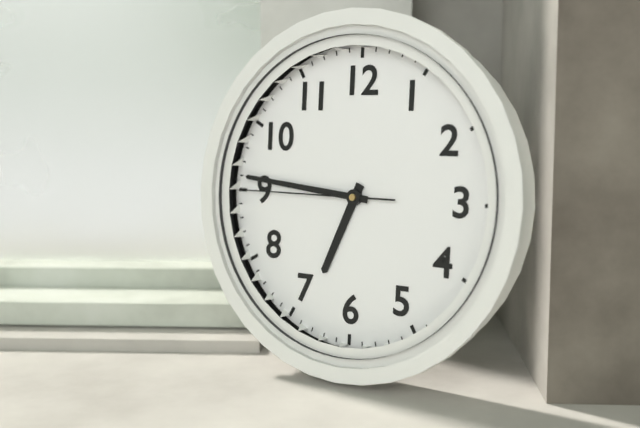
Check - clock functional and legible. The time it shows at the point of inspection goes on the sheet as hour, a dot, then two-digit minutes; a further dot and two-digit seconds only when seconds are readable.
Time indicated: 6.46.45
